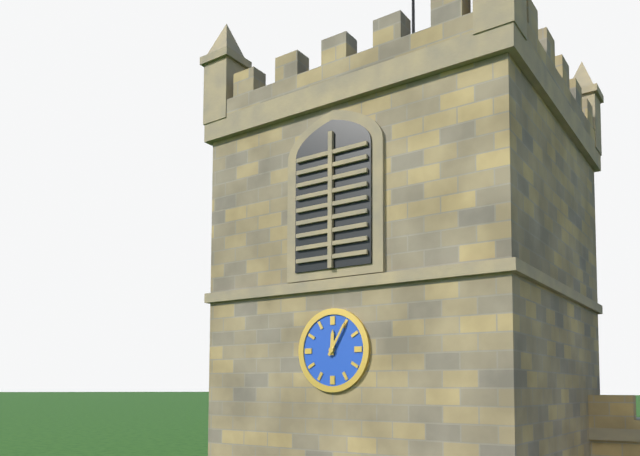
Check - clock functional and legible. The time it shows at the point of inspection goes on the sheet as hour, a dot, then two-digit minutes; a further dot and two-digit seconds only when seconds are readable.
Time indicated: 12.05
